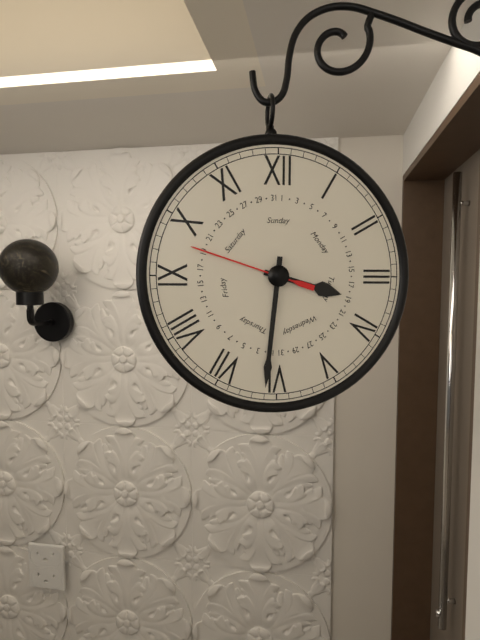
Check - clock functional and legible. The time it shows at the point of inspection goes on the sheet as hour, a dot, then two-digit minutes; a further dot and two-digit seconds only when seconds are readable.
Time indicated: 3.31.48
